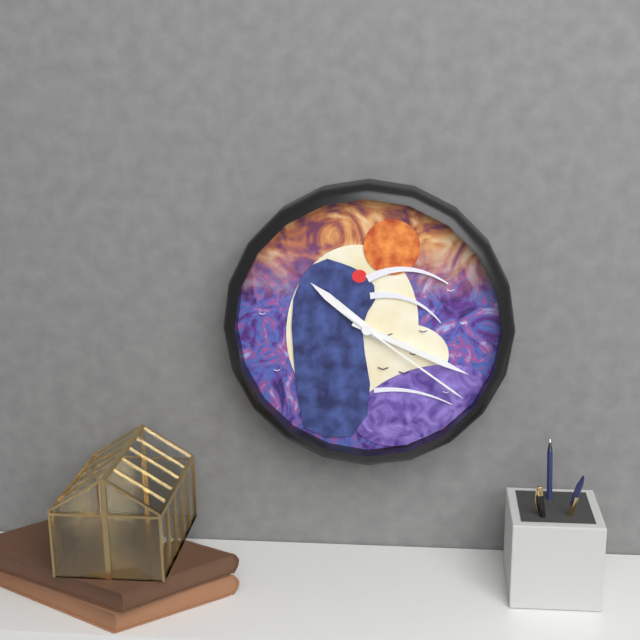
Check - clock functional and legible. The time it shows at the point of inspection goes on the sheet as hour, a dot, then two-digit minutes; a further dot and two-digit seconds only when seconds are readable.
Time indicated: 10.19.21
